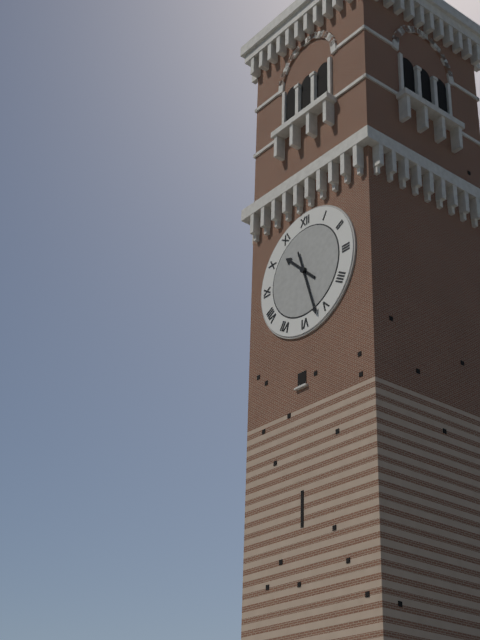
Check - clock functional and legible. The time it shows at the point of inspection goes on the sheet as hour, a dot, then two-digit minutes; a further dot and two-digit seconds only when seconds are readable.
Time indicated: 10.27
